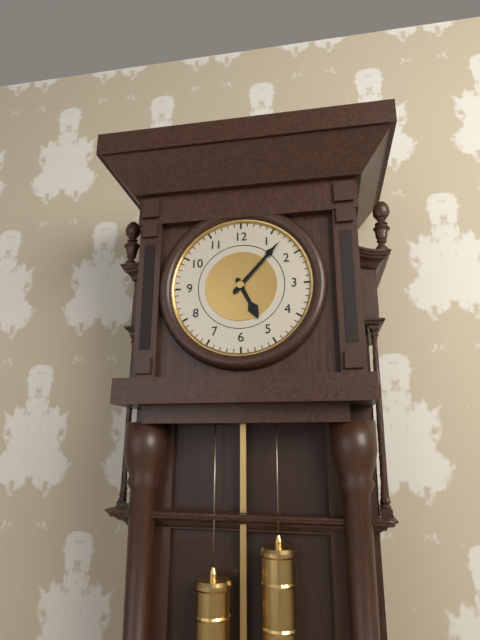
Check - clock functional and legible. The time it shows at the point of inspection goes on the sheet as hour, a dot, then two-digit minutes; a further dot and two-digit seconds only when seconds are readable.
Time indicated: 5.07
